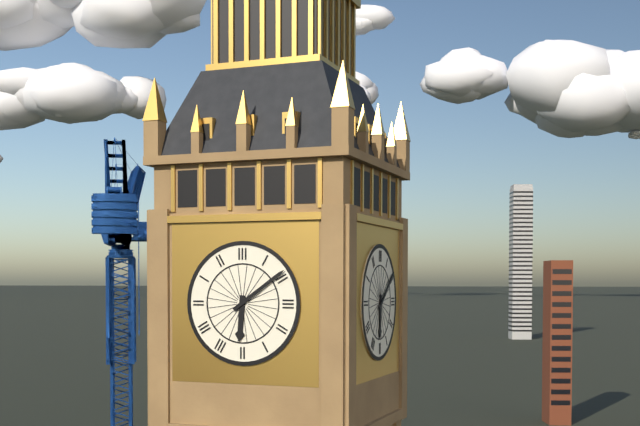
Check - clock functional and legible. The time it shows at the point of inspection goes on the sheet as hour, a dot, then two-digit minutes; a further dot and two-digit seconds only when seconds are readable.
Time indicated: 6.09
